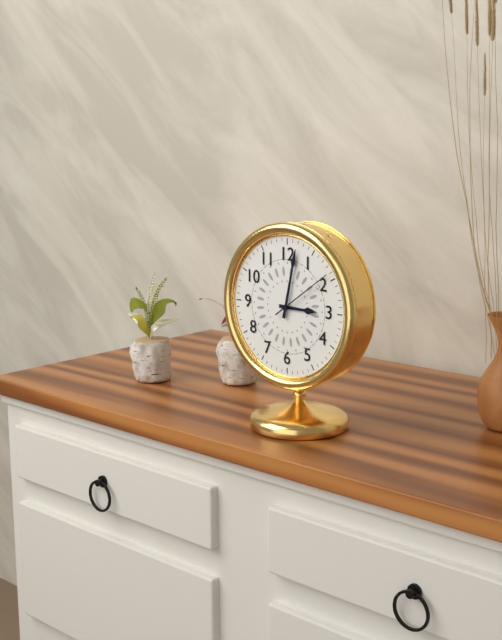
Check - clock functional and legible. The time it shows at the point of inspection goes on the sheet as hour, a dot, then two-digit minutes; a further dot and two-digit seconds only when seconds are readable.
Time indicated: 3.02.09
